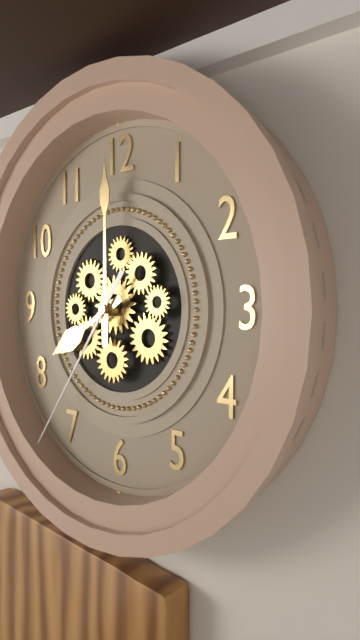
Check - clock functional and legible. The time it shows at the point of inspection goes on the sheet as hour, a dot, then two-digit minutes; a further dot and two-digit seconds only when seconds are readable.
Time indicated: 8.00.36
